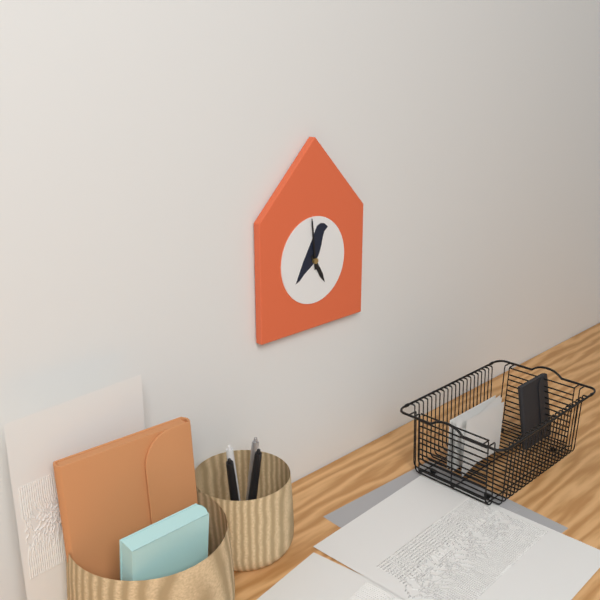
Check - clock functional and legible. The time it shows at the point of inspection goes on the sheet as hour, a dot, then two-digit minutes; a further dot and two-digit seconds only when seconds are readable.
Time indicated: 4.59
